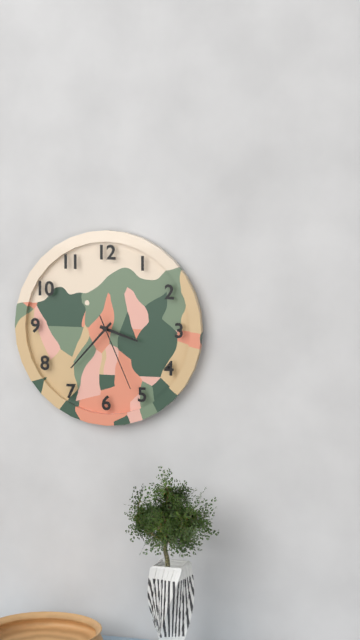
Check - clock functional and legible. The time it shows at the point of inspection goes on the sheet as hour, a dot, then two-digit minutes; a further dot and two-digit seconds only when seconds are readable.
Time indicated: 3.37.26
